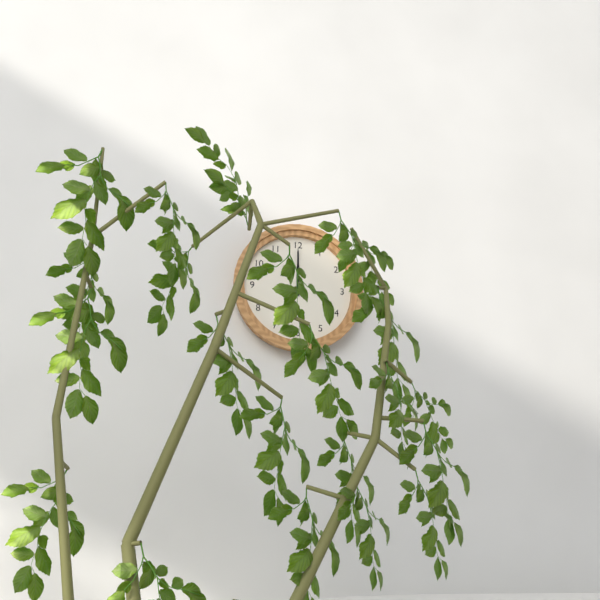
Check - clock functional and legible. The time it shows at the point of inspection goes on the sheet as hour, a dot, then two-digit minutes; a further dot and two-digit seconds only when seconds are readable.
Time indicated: 12.00
